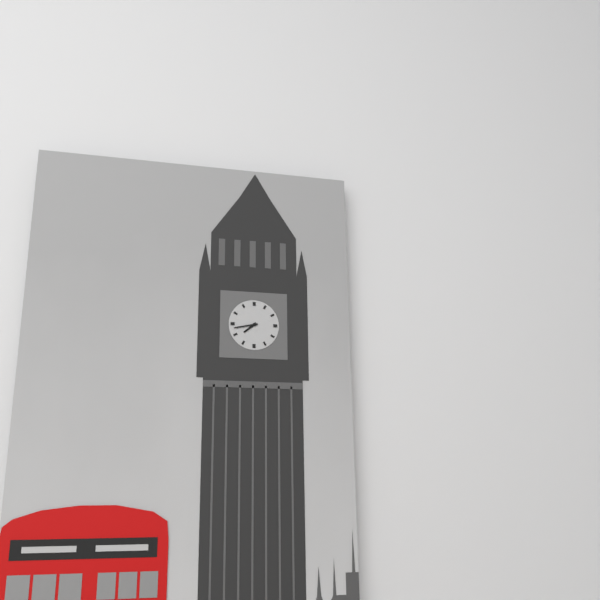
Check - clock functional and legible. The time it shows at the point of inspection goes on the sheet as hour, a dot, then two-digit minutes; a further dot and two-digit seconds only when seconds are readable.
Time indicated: 7.43
